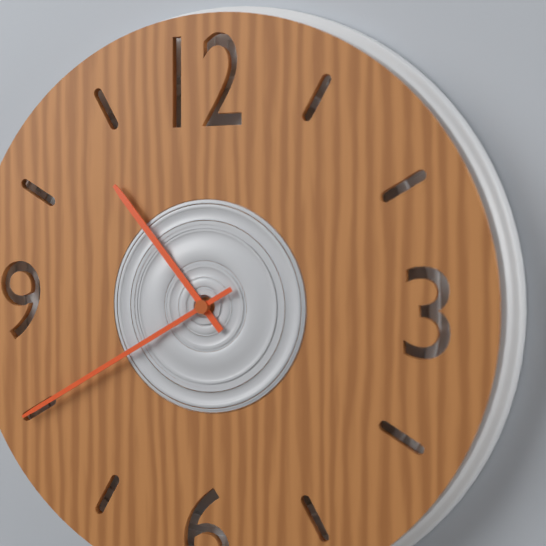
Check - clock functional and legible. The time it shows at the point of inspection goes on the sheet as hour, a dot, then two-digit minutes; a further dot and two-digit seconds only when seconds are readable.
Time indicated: 10.40
